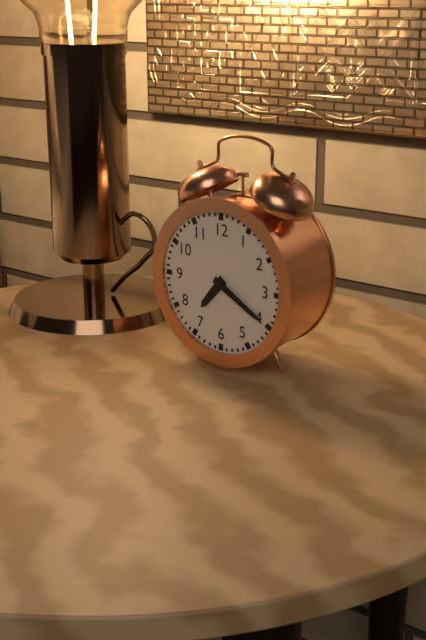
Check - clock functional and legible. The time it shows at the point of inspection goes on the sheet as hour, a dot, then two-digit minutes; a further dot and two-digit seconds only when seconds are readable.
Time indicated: 7.20
